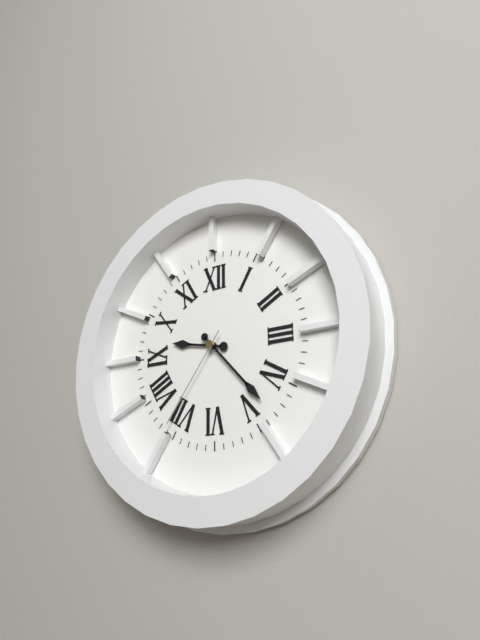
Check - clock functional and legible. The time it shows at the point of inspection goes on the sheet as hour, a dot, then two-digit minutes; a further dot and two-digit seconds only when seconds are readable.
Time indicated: 9.23.36
